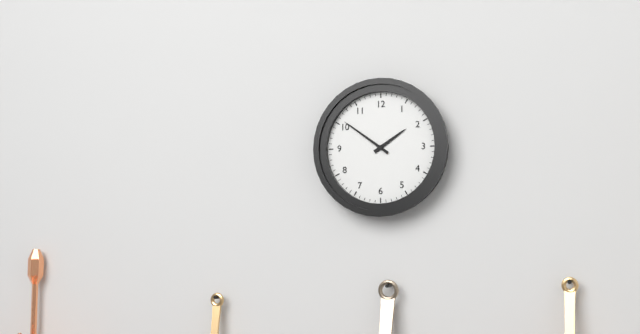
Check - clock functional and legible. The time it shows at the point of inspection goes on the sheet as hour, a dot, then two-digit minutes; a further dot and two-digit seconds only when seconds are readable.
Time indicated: 1.51
